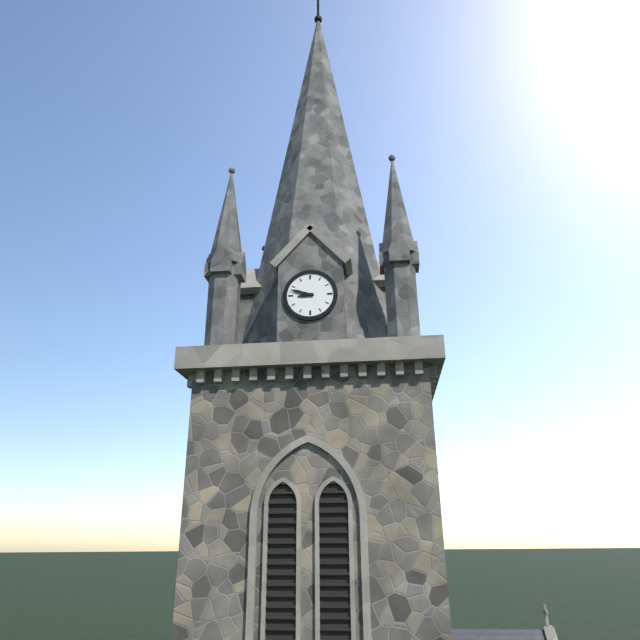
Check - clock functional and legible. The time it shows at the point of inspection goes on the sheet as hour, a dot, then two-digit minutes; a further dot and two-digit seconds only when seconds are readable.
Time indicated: 8.48
